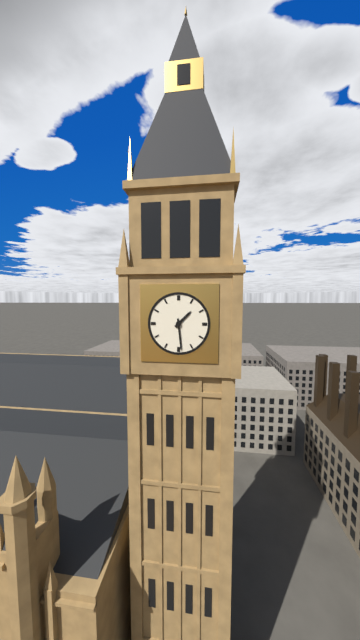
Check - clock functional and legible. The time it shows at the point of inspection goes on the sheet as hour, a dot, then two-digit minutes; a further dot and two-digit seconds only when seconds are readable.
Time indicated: 1.29
